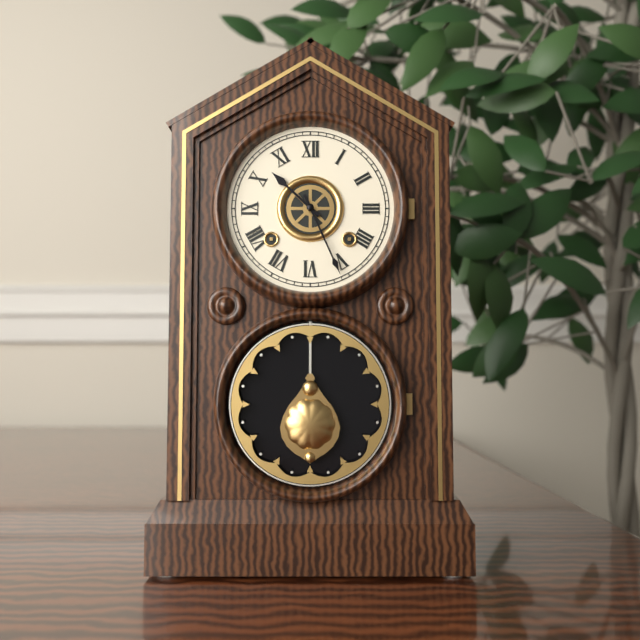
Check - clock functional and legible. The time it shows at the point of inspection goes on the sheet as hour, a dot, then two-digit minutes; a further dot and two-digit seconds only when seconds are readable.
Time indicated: 10.26
